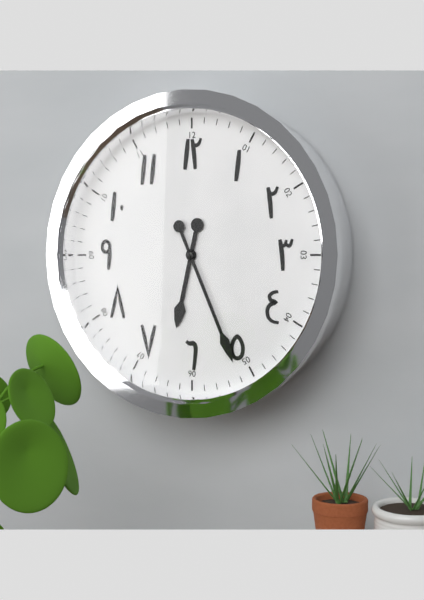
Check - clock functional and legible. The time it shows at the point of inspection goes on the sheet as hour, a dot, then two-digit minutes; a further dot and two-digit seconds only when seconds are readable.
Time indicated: 6.26
